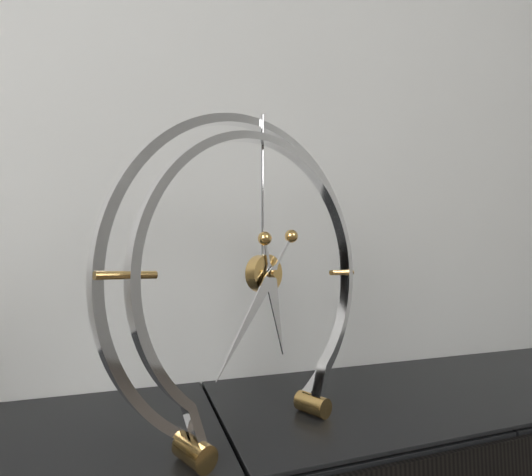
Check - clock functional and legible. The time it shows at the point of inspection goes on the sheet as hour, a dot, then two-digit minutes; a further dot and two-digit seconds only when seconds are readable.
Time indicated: 5.36
